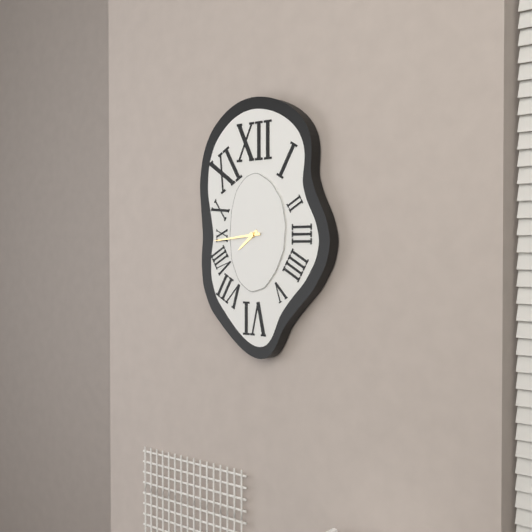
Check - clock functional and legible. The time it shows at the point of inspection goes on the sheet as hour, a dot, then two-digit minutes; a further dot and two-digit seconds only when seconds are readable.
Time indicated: 7.44
